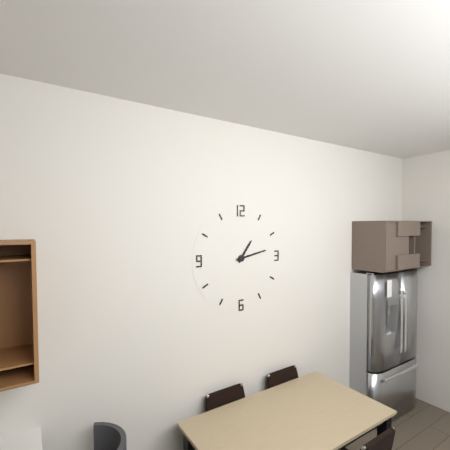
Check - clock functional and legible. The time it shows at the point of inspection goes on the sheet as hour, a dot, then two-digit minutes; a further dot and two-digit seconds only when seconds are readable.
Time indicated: 1.13
